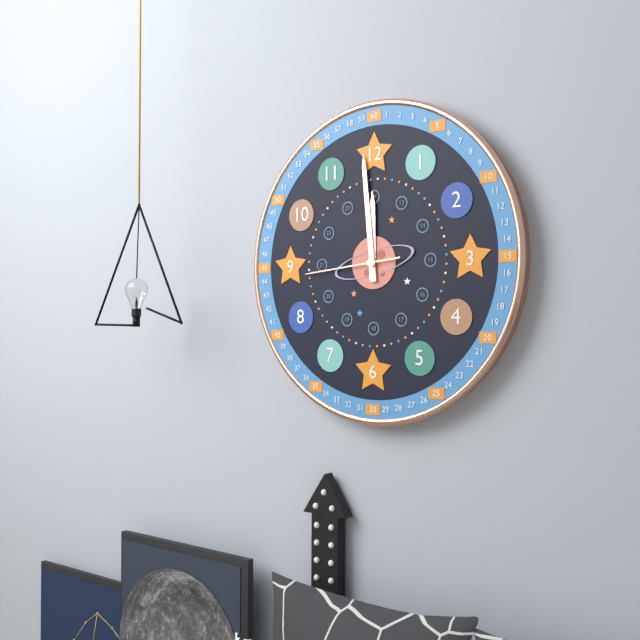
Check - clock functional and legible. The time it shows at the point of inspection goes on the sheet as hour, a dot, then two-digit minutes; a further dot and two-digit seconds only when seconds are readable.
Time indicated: 11.59.44
